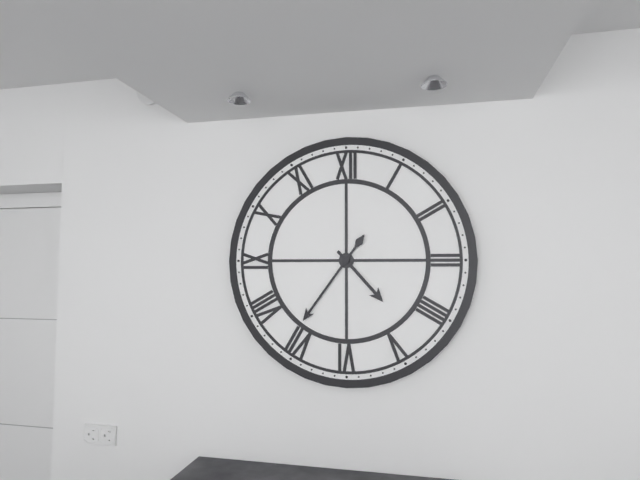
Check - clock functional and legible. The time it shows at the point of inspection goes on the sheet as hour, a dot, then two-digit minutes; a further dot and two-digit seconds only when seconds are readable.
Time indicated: 4.36
